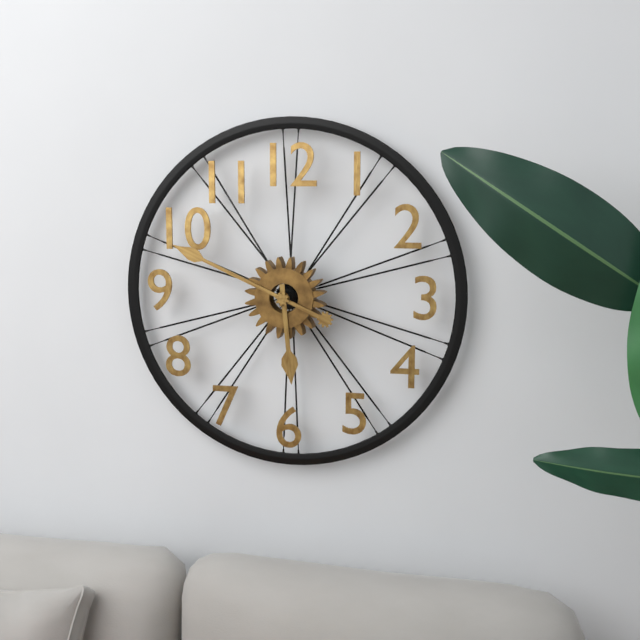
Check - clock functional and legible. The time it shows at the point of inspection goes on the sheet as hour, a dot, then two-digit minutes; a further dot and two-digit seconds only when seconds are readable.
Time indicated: 5.49
